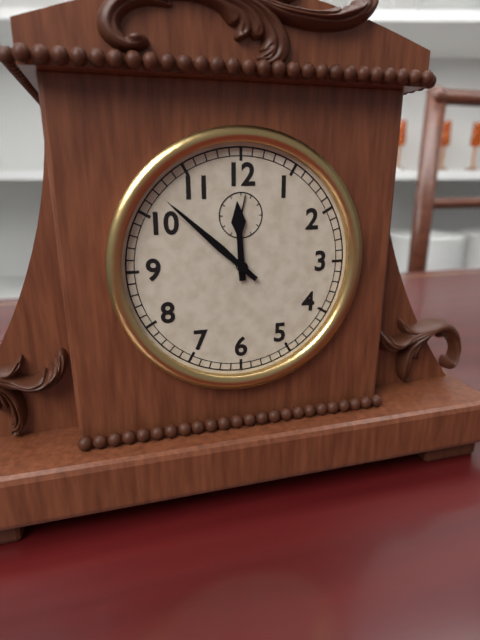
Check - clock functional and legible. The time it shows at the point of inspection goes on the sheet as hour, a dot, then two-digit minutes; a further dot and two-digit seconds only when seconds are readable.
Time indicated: 11.52
